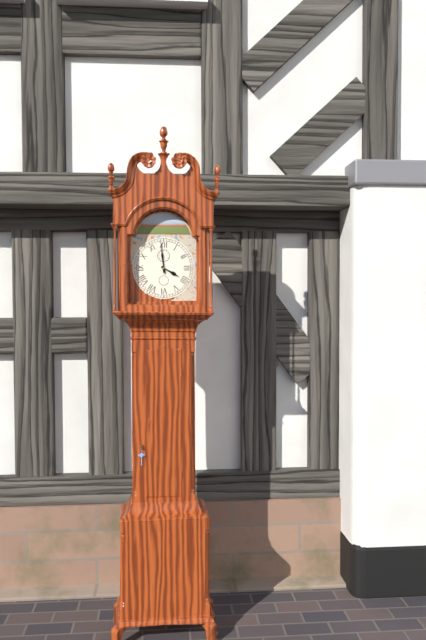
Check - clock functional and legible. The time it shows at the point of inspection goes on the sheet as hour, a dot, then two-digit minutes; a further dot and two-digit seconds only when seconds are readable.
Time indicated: 3.59
